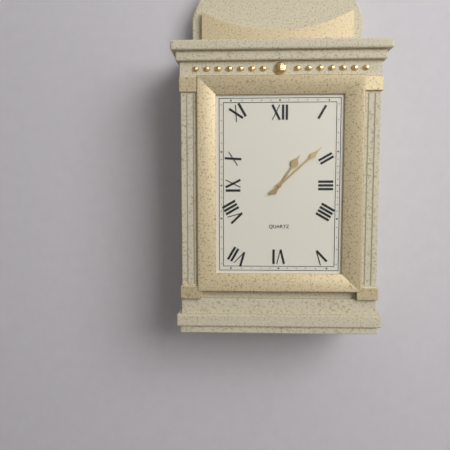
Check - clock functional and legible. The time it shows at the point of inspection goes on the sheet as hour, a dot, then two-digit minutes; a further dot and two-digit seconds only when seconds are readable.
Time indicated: 1.08
